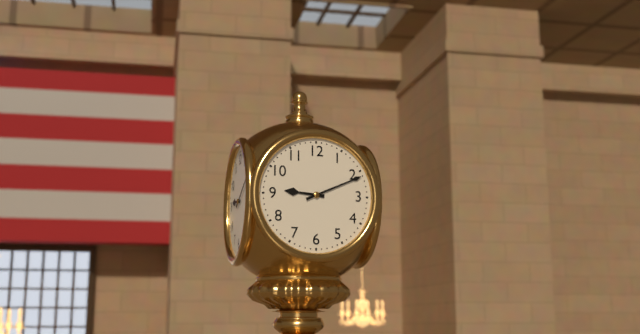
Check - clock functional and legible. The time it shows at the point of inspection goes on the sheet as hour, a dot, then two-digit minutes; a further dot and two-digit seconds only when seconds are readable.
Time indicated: 9.11
